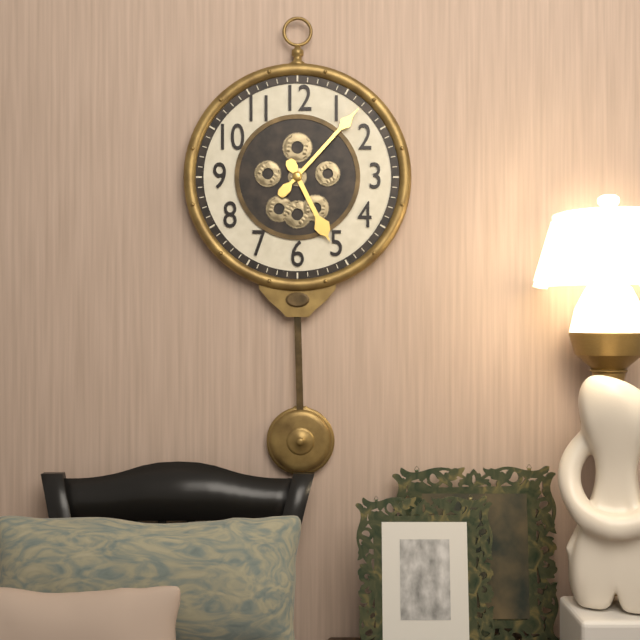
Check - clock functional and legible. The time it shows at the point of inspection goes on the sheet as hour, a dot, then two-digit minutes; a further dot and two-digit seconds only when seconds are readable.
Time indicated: 5.07
